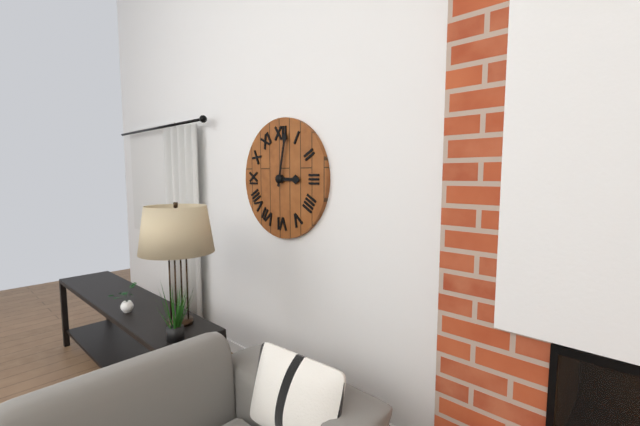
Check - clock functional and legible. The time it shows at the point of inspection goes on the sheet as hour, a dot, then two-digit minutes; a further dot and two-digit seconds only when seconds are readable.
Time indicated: 3.02
